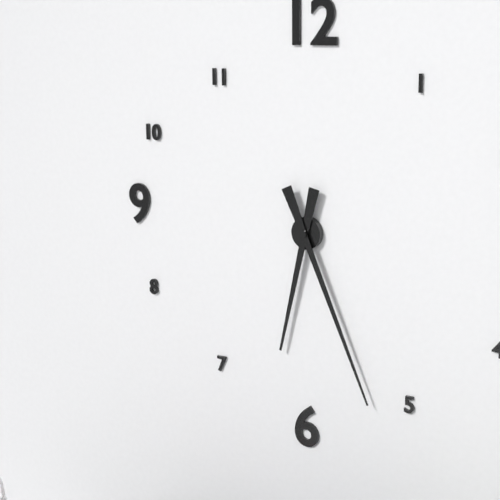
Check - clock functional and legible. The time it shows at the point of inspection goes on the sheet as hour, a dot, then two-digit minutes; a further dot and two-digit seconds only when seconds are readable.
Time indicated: 6.26
